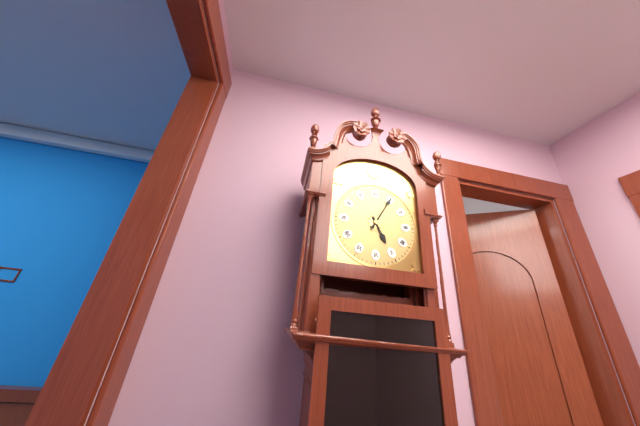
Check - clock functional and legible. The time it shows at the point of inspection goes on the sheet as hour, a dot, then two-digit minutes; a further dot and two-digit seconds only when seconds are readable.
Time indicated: 5.05
